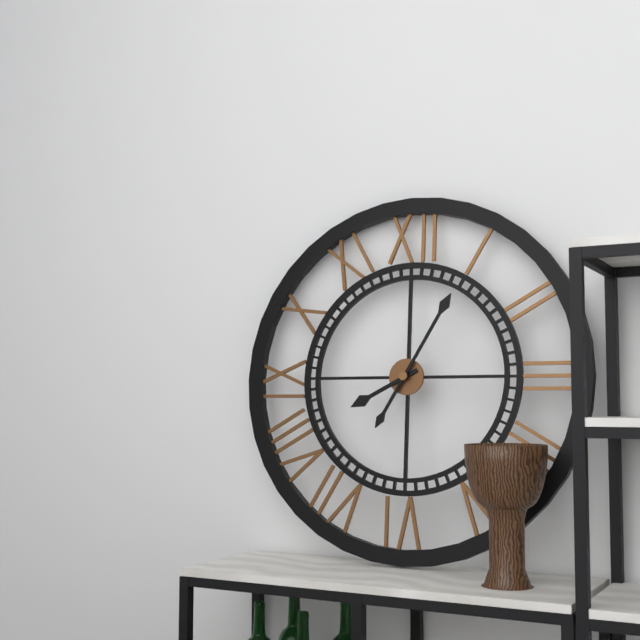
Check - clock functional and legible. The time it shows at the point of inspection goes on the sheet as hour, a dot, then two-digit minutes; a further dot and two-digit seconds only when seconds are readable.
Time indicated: 8.05
